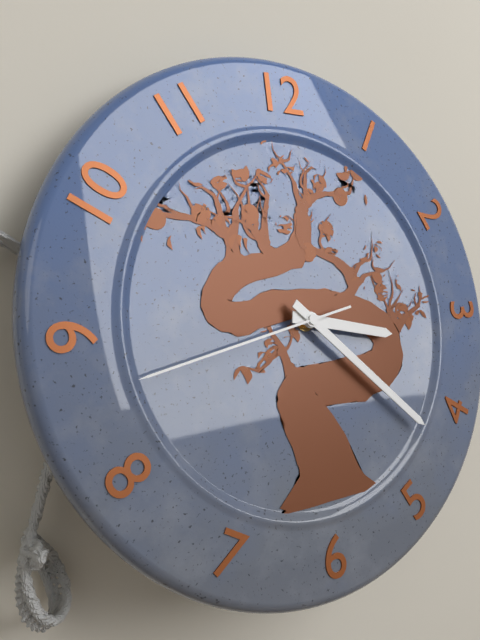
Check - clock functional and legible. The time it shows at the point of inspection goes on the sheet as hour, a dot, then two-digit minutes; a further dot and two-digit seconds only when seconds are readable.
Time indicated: 3.22.43
